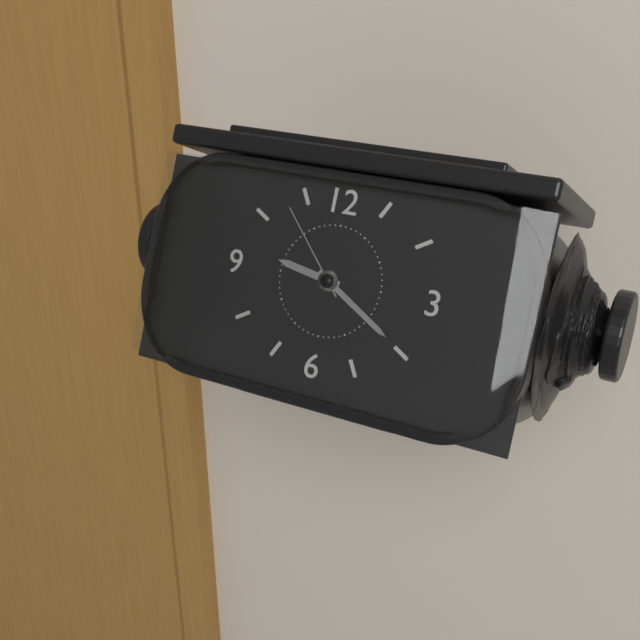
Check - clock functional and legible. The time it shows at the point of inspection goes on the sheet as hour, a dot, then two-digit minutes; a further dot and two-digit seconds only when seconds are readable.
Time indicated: 9.20.53
